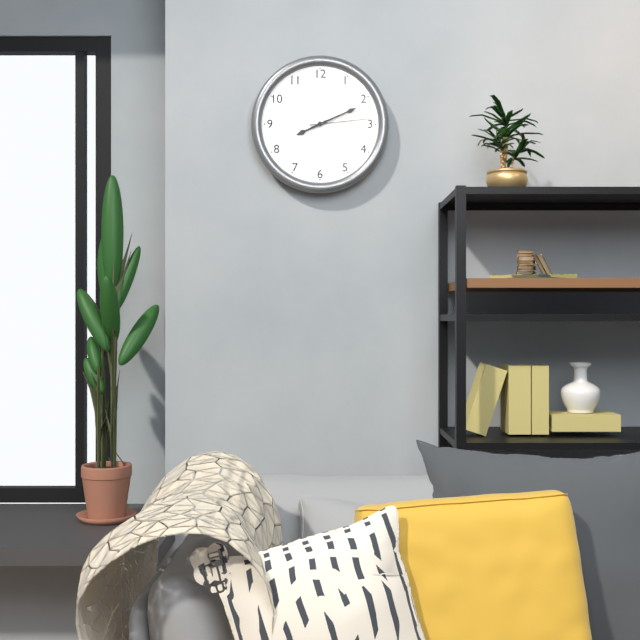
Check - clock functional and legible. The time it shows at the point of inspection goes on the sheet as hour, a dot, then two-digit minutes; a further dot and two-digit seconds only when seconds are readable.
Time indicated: 8.11.14
